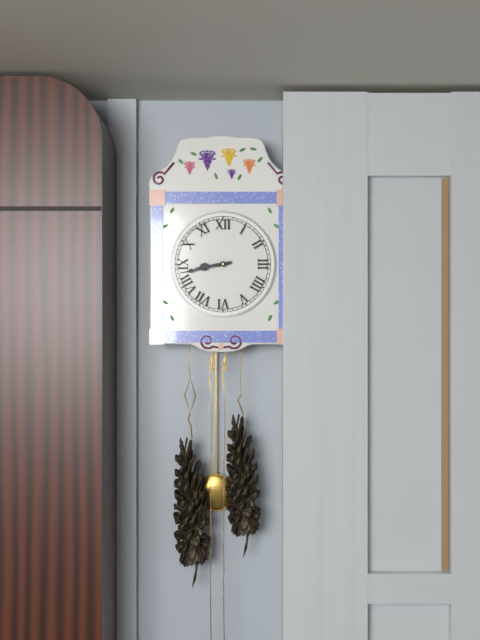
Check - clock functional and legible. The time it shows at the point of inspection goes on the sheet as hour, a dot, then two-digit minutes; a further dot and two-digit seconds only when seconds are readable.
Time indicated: 8.43
